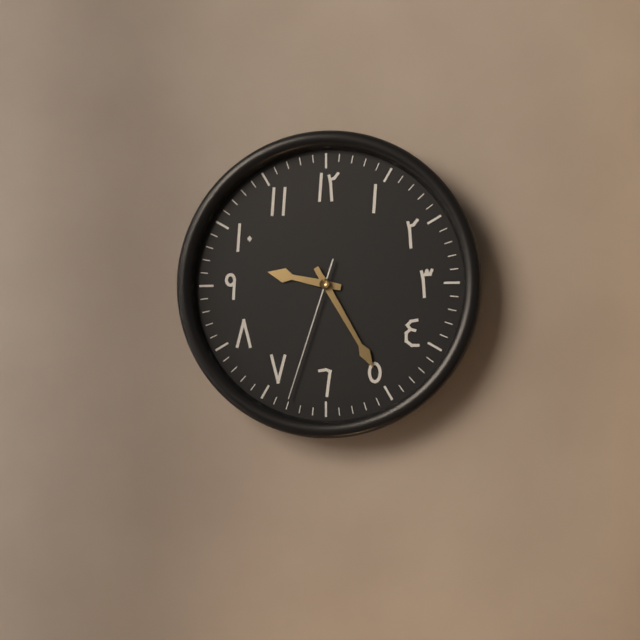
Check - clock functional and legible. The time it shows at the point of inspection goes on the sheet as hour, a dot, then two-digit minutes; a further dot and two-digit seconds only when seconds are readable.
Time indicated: 9.25.33
